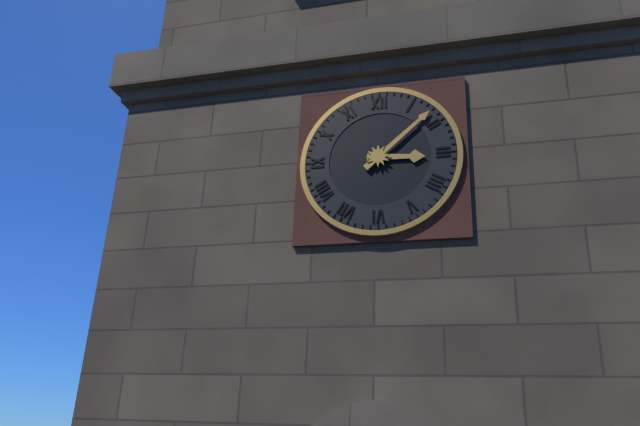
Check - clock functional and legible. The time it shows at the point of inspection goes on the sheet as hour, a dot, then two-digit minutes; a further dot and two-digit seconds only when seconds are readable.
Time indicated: 3.08
